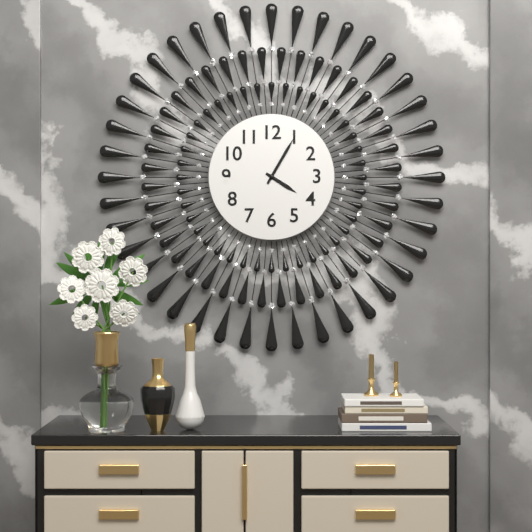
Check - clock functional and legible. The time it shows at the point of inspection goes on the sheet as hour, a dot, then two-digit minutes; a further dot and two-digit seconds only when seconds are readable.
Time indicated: 4.05
